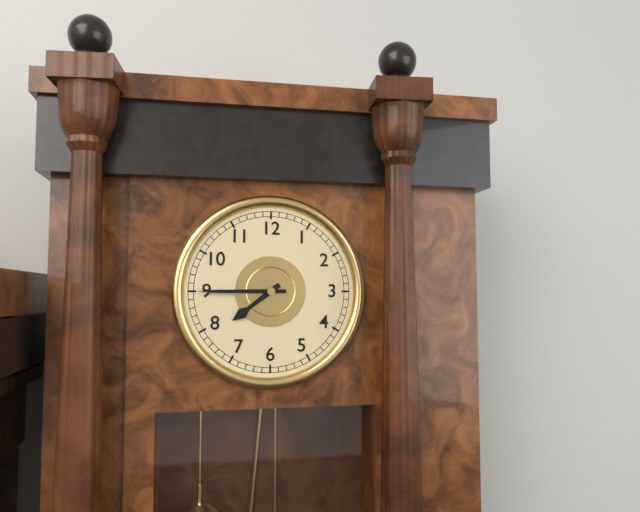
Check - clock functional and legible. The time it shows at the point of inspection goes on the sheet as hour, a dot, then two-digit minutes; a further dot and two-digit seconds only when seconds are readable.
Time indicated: 7.45
